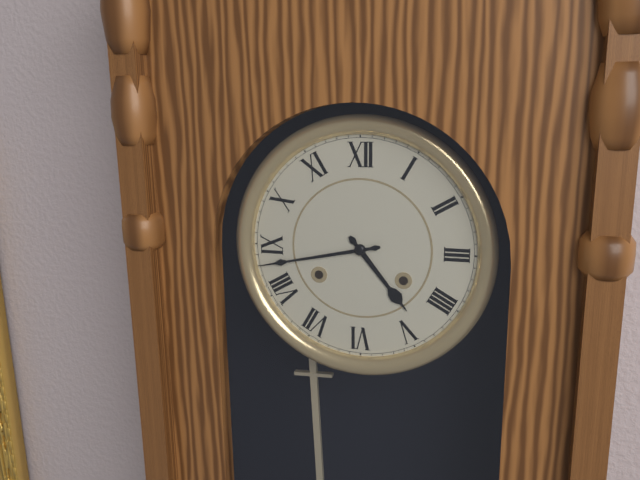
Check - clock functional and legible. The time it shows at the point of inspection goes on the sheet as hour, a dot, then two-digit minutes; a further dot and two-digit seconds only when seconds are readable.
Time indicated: 4.43
